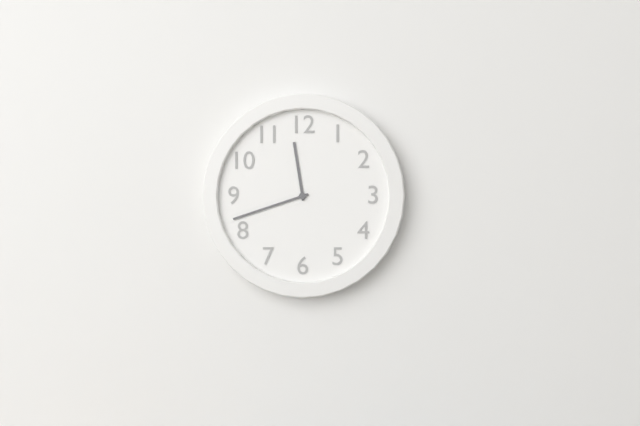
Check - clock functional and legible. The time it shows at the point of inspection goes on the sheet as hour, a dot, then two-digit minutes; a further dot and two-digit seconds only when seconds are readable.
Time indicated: 11.42
